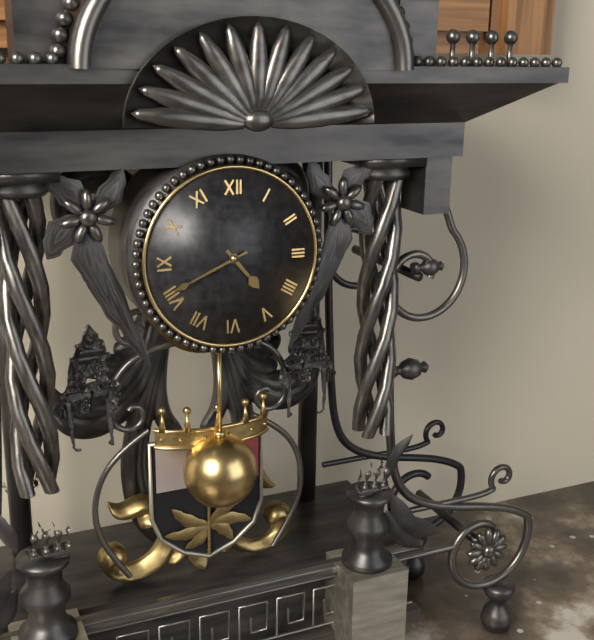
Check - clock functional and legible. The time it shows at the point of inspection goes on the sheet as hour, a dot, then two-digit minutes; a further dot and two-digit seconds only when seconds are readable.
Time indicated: 4.41
